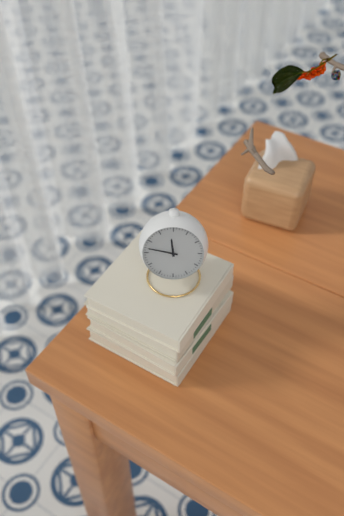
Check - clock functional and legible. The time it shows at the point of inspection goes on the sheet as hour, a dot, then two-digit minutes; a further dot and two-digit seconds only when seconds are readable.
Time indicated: 11.47
